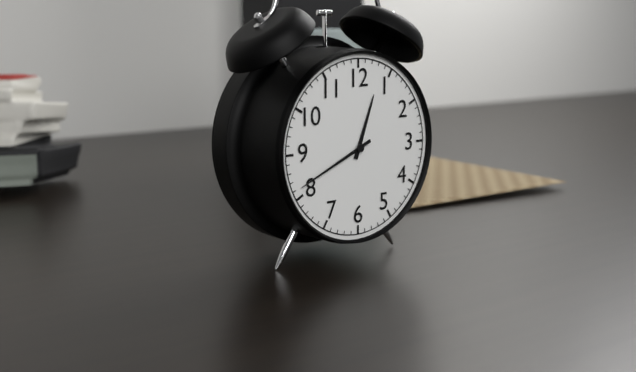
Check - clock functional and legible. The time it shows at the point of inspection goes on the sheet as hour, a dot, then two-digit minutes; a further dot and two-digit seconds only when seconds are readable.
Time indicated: 12.41
